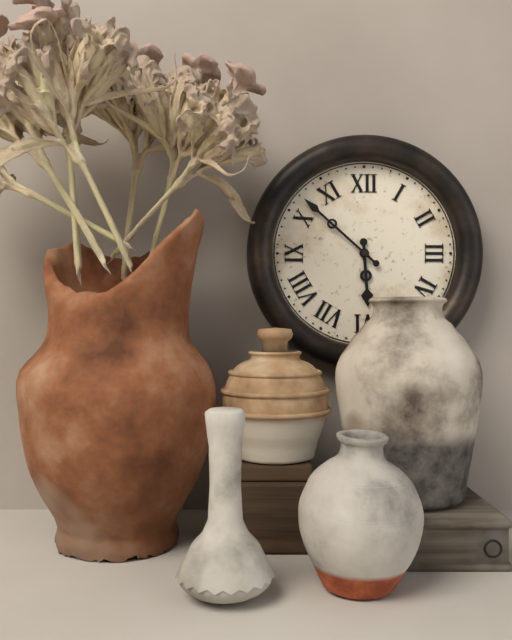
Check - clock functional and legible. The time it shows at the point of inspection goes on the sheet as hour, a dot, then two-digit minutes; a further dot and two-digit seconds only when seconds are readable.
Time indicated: 5.52
